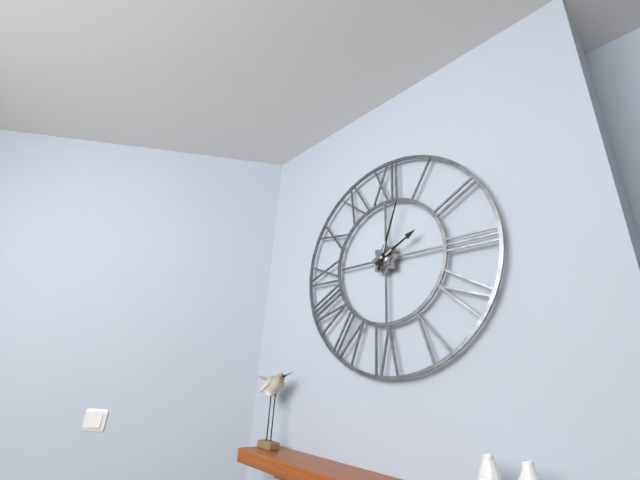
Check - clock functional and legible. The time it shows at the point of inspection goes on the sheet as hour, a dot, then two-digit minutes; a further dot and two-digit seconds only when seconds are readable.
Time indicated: 2.03
